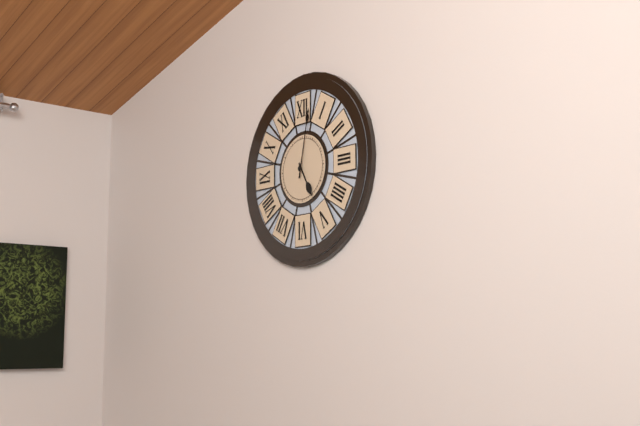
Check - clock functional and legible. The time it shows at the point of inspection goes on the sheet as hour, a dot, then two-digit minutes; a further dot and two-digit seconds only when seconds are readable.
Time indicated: 5.02
